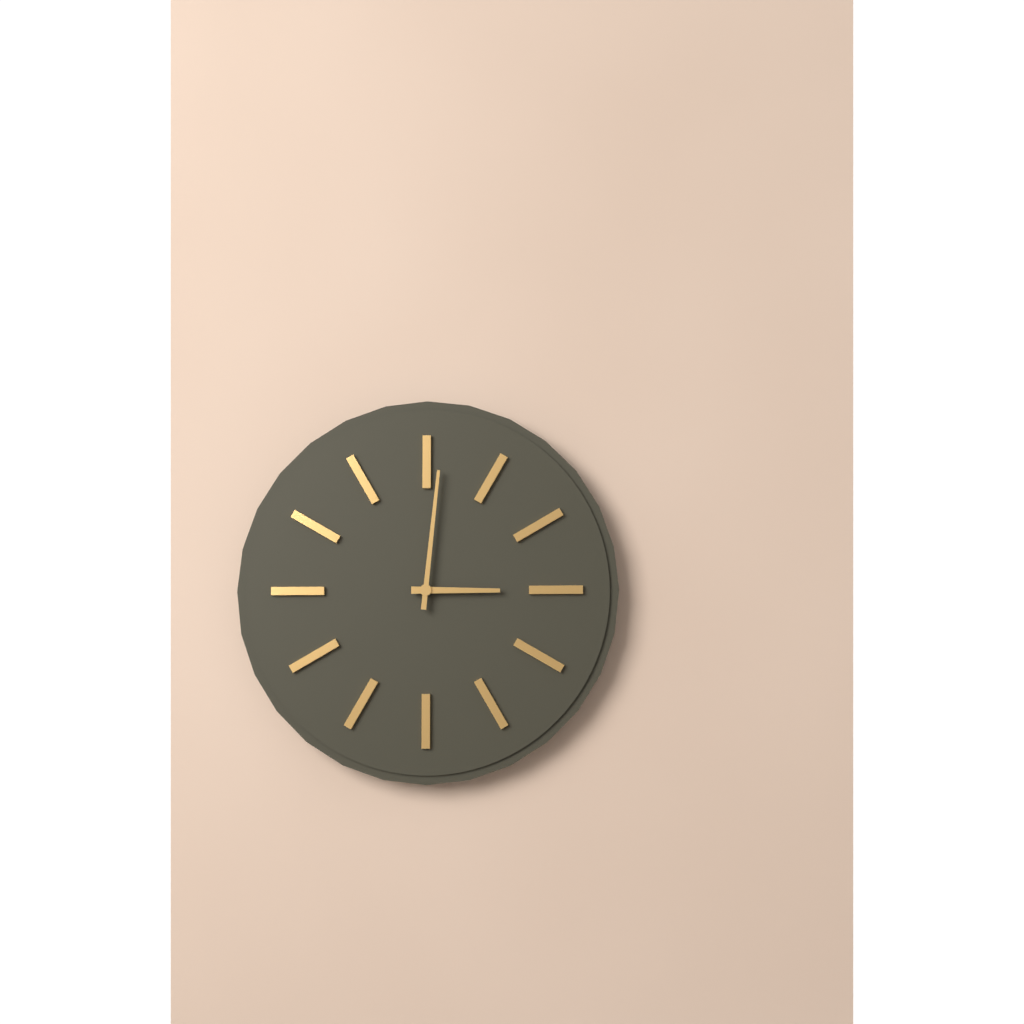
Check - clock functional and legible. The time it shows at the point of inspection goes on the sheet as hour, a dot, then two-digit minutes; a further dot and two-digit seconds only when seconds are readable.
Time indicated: 3.01
